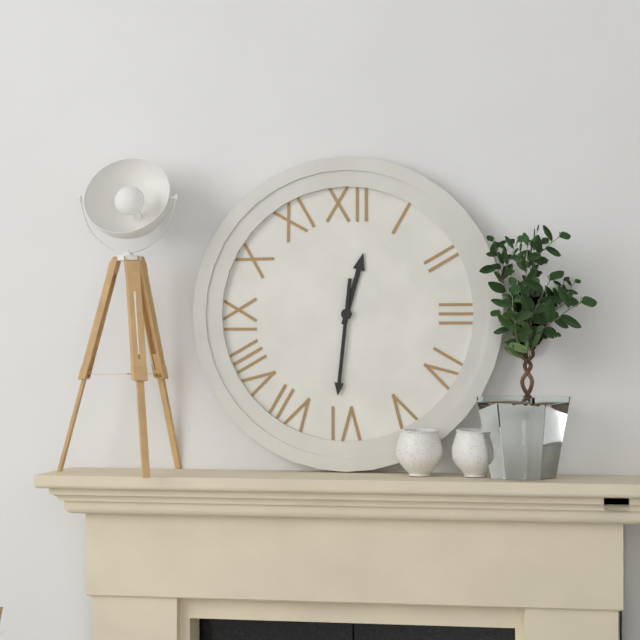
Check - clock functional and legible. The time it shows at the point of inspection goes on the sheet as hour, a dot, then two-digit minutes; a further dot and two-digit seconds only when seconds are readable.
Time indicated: 12.31
